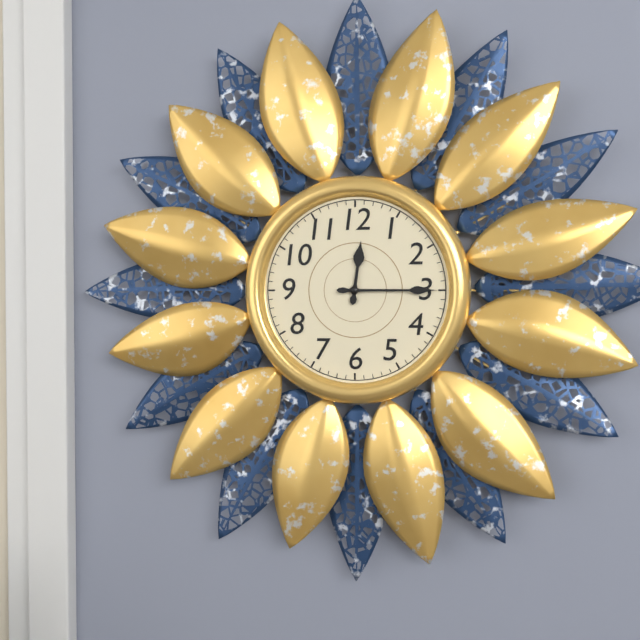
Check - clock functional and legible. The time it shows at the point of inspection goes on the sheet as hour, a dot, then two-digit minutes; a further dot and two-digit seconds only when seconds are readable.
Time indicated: 12.15
